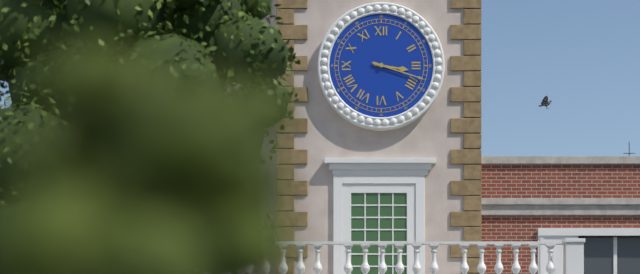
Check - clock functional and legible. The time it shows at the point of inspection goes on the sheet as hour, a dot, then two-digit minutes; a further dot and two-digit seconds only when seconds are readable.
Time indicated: 3.18
